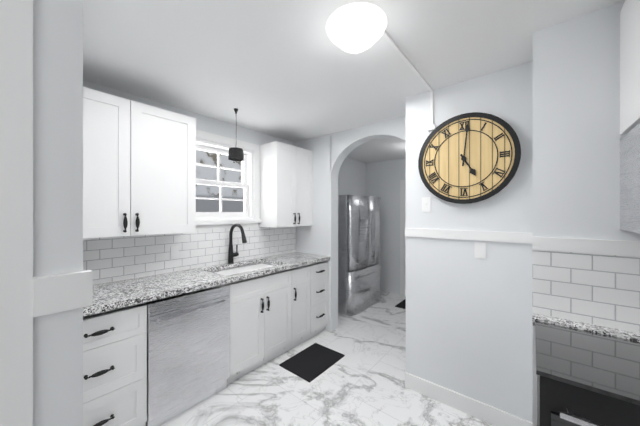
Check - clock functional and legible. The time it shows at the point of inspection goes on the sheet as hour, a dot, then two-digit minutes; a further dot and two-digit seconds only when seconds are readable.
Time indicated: 5.01
